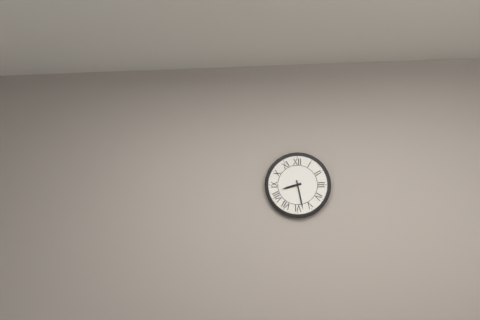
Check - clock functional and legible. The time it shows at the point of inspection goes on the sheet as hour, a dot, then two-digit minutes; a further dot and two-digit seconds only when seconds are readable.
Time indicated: 8.28
